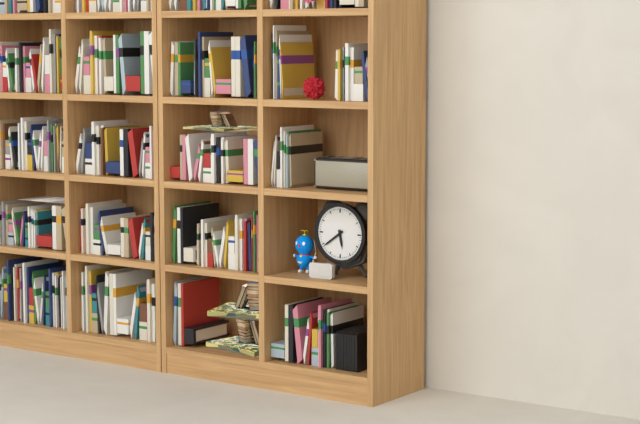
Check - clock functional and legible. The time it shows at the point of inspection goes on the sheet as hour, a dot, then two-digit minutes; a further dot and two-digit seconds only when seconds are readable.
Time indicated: 5.39
